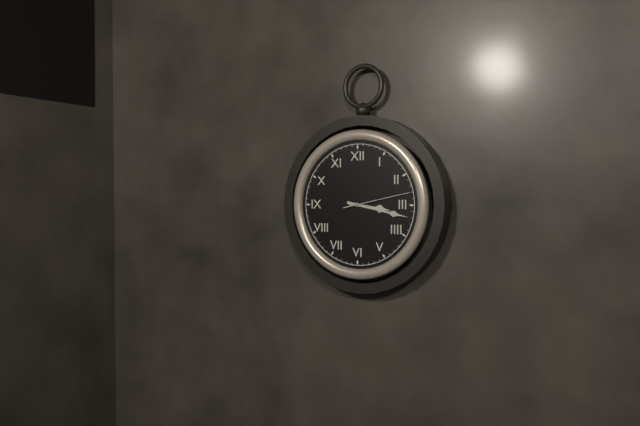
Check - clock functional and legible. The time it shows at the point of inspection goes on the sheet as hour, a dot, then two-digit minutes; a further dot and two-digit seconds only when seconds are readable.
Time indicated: 3.17.13
